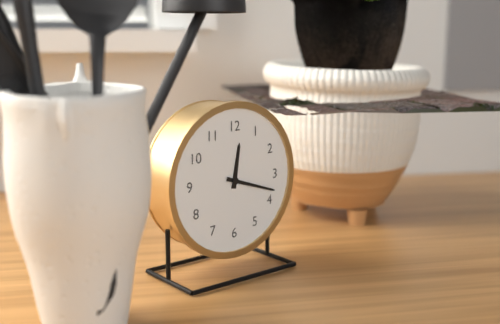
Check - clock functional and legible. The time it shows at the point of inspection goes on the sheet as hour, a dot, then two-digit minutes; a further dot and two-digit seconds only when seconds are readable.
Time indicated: 12.18
